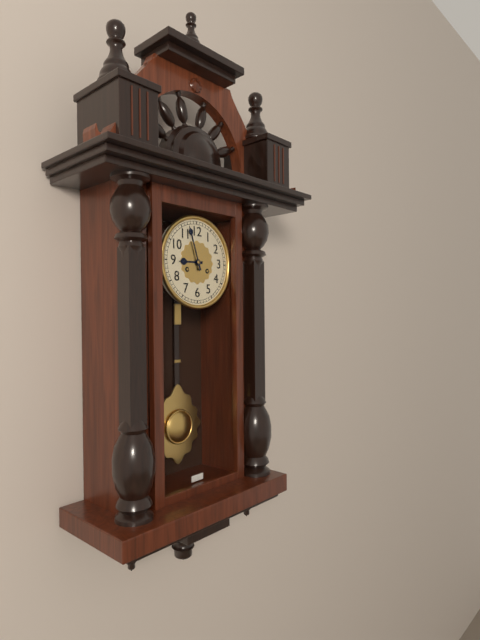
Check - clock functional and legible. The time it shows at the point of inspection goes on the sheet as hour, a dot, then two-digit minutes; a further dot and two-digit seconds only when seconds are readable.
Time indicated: 8.57
